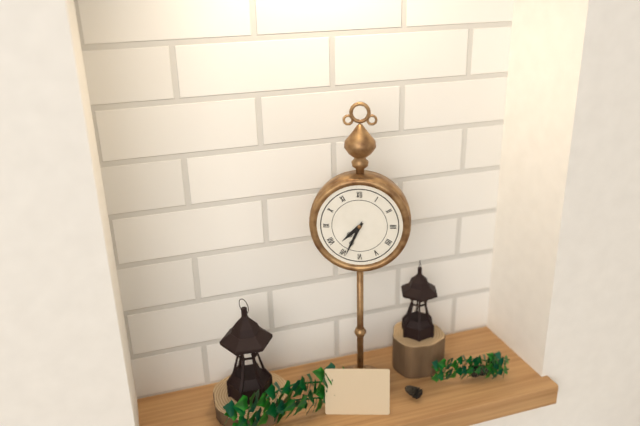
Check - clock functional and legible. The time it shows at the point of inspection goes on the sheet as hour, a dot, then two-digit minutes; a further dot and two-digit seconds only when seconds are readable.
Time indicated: 7.34
